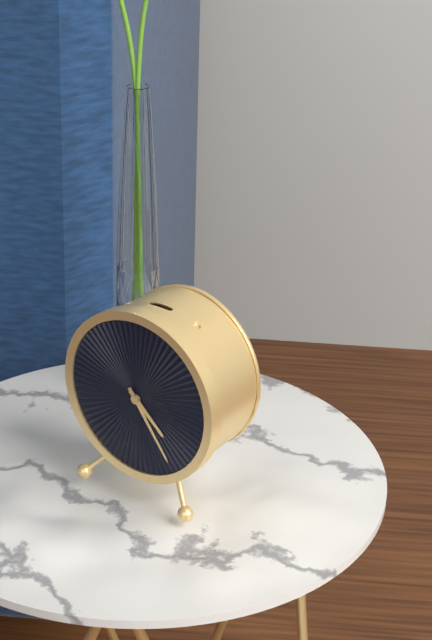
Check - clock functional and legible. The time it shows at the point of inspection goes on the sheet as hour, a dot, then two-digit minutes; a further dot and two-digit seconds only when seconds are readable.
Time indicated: 4.24
